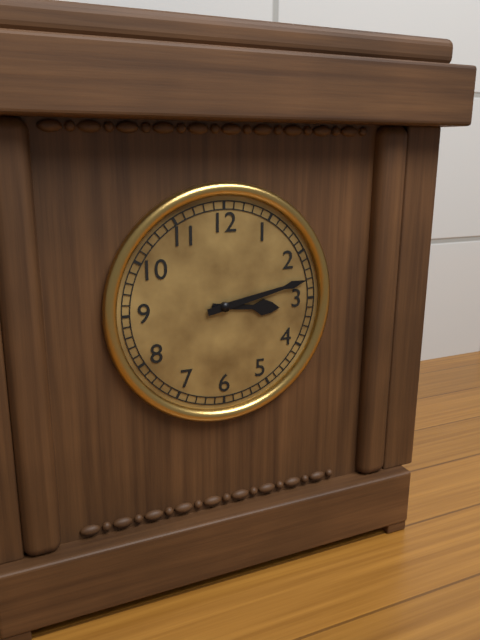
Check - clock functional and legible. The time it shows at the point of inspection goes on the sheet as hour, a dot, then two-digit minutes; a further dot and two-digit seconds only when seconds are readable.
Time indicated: 3.13
